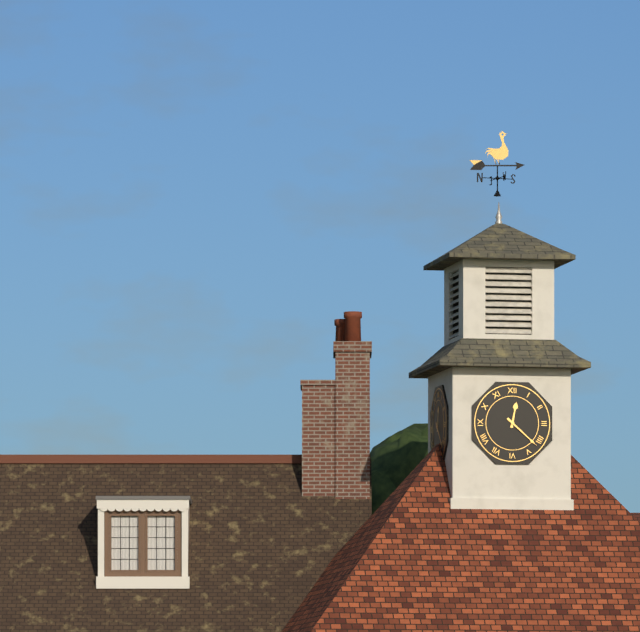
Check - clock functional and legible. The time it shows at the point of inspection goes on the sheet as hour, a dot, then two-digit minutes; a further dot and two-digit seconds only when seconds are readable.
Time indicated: 12.22
